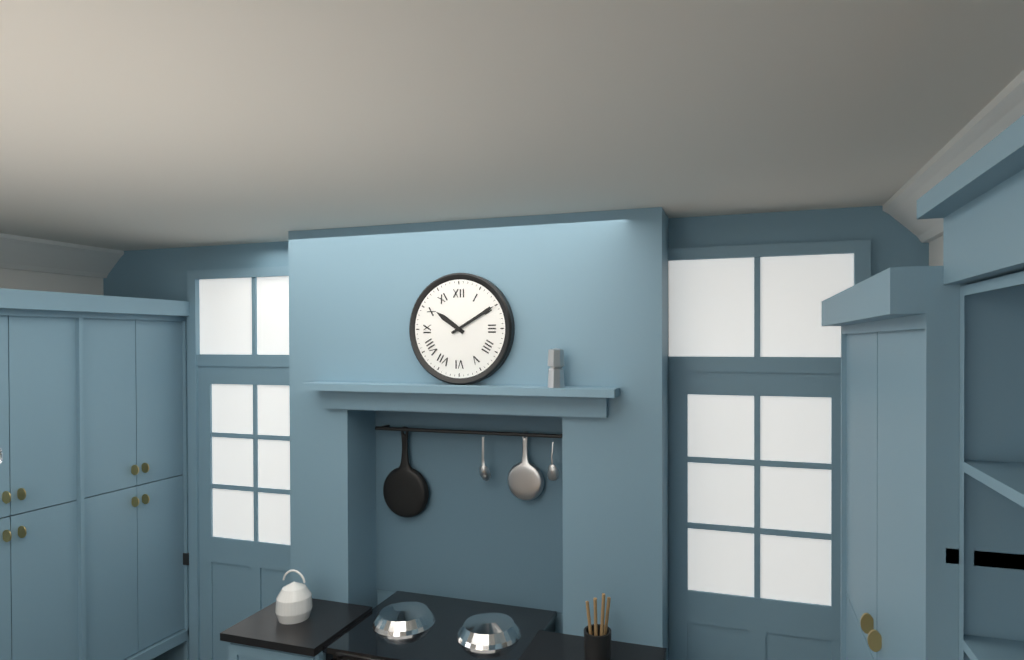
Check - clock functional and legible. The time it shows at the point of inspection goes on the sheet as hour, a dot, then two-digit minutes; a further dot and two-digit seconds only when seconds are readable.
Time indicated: 10.10
